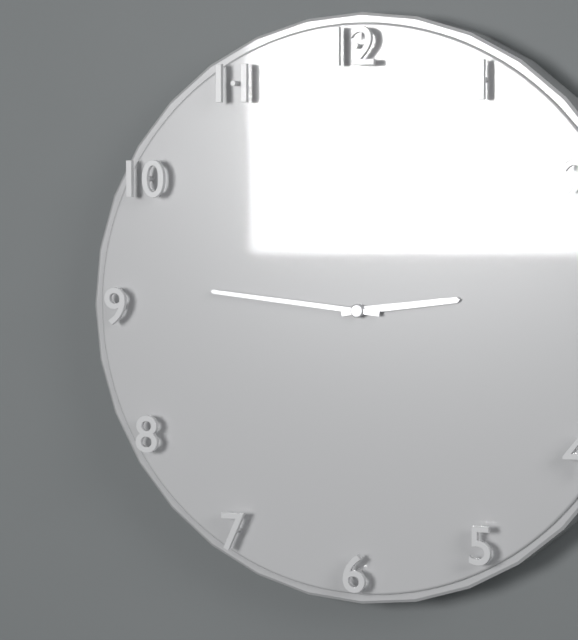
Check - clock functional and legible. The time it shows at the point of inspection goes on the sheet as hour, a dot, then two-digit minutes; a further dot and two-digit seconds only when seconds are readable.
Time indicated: 2.46
